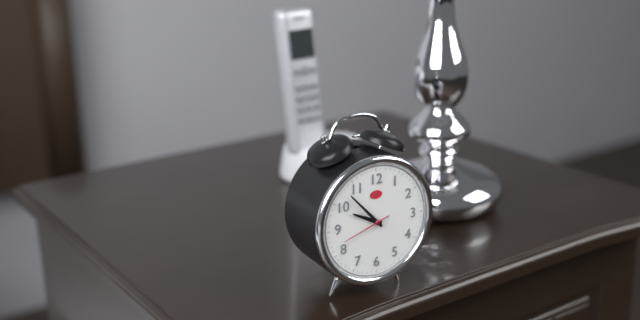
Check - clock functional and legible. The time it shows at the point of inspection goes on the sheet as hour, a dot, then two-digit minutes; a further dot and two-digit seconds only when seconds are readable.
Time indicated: 9.53
